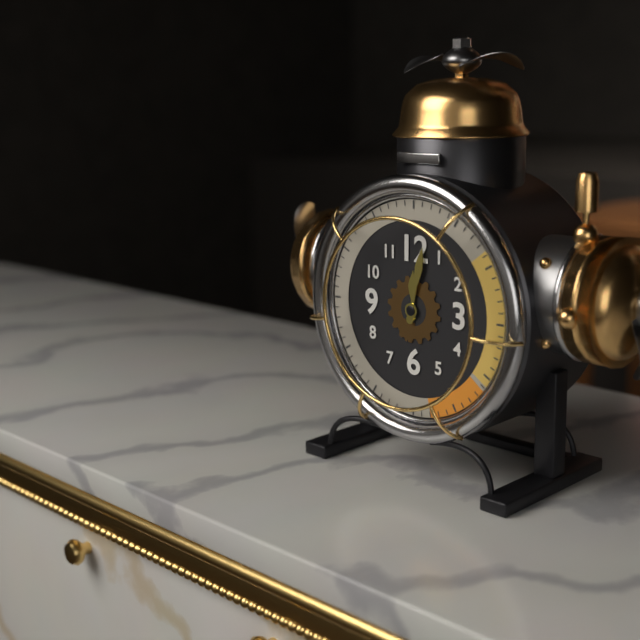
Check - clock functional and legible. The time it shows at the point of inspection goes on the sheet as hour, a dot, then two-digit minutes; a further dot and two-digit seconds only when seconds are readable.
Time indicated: 12.02
